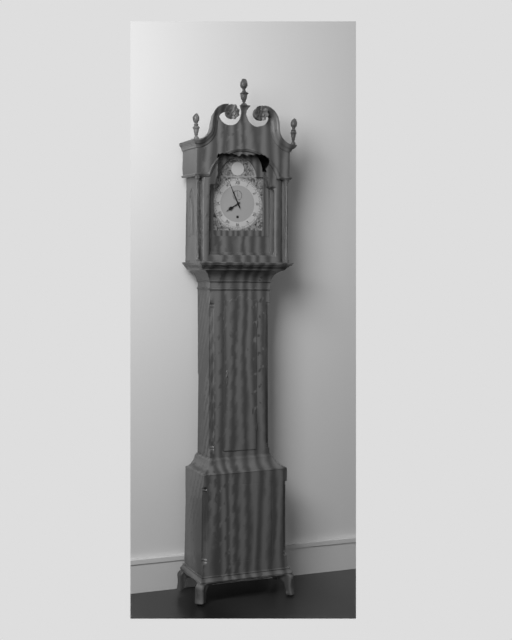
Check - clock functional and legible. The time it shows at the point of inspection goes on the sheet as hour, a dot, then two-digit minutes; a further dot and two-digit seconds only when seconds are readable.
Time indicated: 7.56
